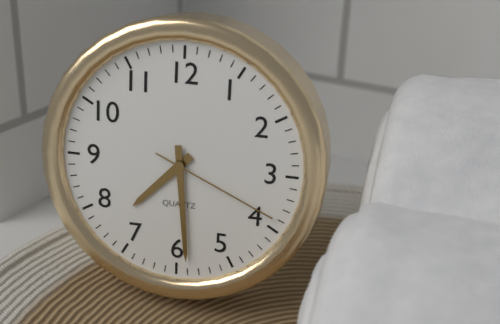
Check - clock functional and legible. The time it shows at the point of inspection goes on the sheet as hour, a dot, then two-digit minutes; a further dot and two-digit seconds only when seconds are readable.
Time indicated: 7.29.19
